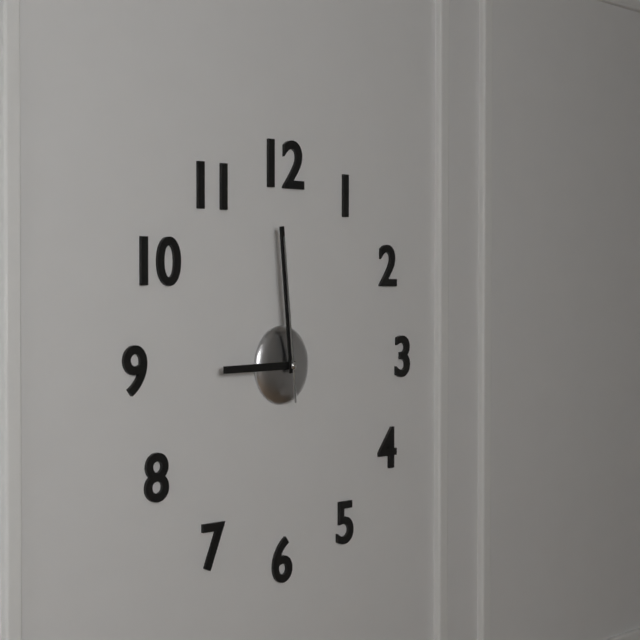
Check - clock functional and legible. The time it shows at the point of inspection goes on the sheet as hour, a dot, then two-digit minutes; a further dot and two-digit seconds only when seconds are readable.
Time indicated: 8.59.59
